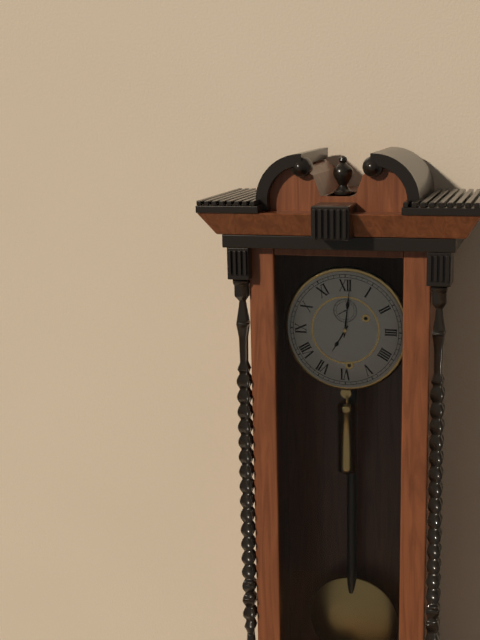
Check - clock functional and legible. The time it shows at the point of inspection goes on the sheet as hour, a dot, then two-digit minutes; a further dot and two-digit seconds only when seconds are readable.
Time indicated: 7.01
